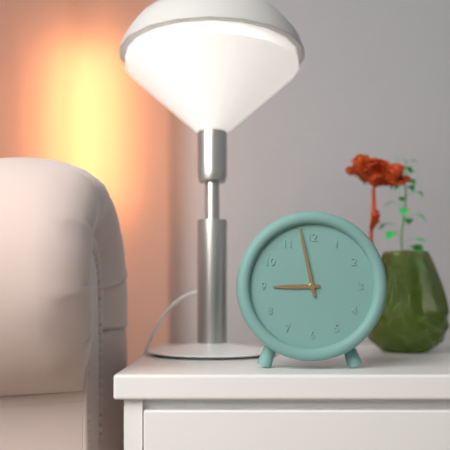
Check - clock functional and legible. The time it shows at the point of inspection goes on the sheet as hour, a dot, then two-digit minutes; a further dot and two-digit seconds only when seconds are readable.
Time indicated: 8.58
